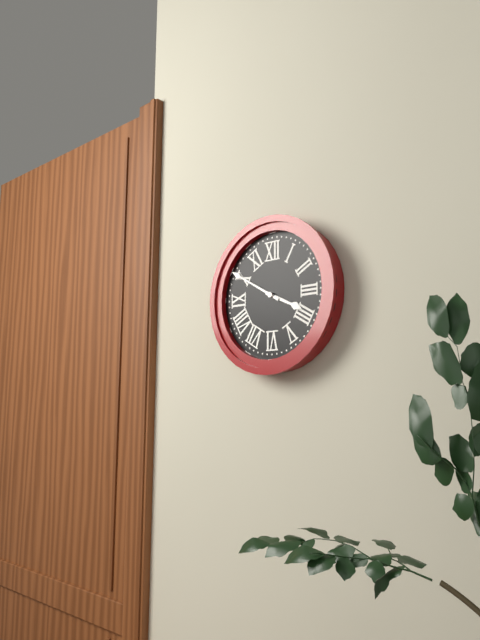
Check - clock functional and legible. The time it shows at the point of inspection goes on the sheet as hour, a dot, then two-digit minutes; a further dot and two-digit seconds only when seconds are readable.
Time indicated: 3.50
